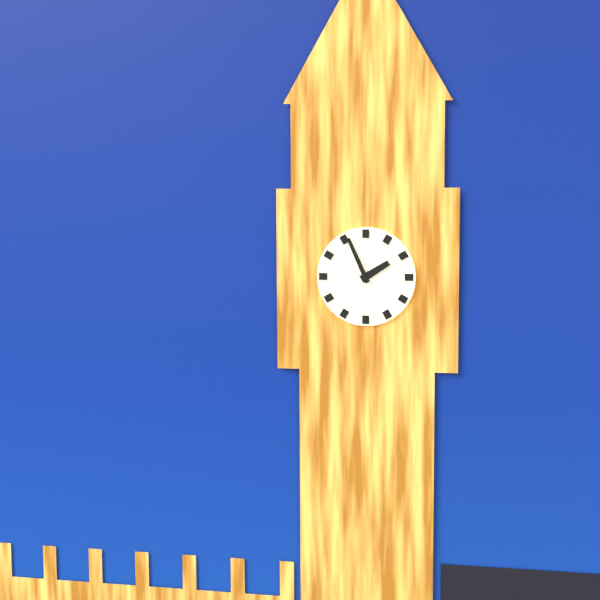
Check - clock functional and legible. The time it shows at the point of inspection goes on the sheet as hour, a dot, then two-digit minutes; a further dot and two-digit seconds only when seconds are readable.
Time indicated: 1.56
